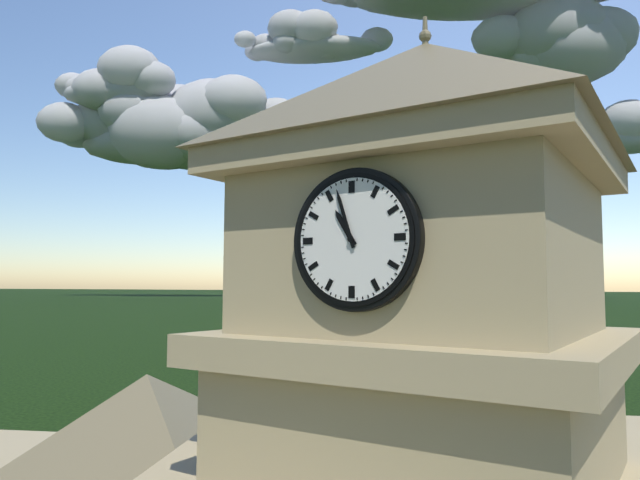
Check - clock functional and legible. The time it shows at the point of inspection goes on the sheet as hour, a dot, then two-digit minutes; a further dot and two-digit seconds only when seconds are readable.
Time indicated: 10.57
